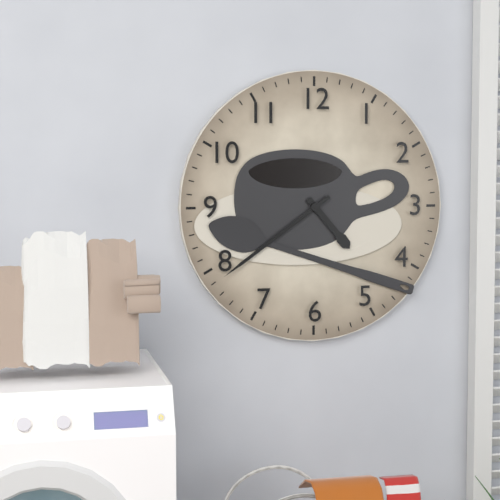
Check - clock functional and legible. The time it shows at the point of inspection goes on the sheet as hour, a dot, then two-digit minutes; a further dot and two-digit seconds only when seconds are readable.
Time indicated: 4.39
